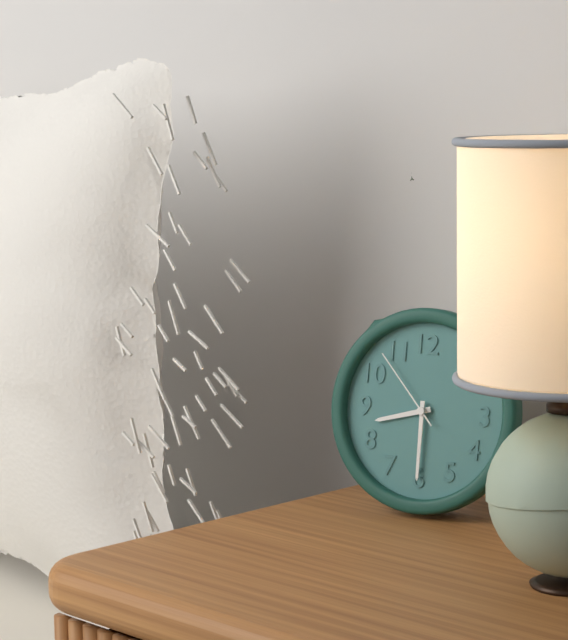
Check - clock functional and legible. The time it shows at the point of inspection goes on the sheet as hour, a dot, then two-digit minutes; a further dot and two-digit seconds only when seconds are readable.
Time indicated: 8.30.53
